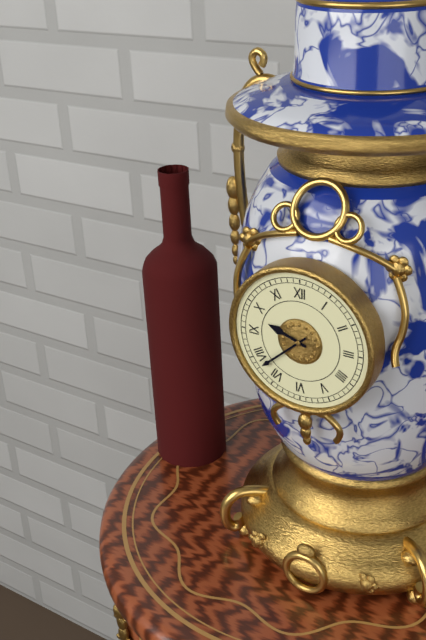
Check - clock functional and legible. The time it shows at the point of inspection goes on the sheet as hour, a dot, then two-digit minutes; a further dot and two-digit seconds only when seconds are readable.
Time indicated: 9.38
